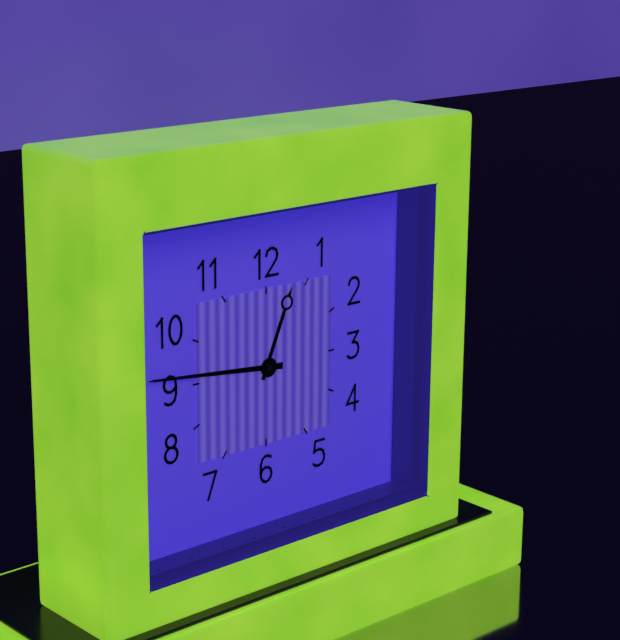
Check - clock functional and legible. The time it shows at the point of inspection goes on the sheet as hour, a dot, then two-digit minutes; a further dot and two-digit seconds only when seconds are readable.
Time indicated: 12.46
